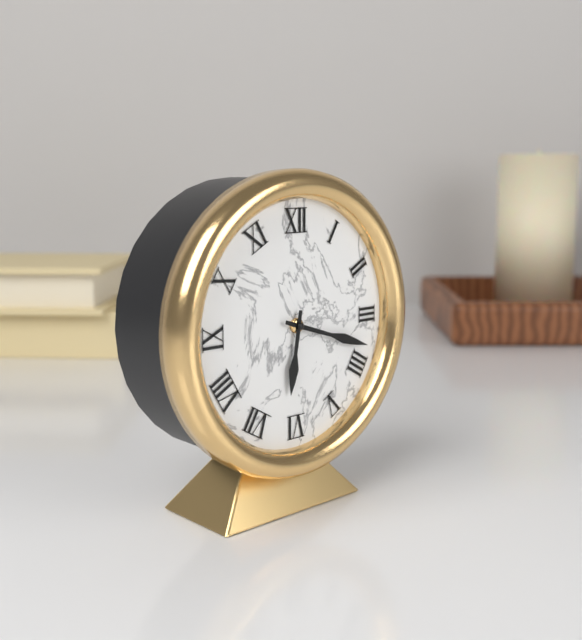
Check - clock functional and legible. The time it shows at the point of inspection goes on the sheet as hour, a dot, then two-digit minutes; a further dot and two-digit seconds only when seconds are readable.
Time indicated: 6.18
